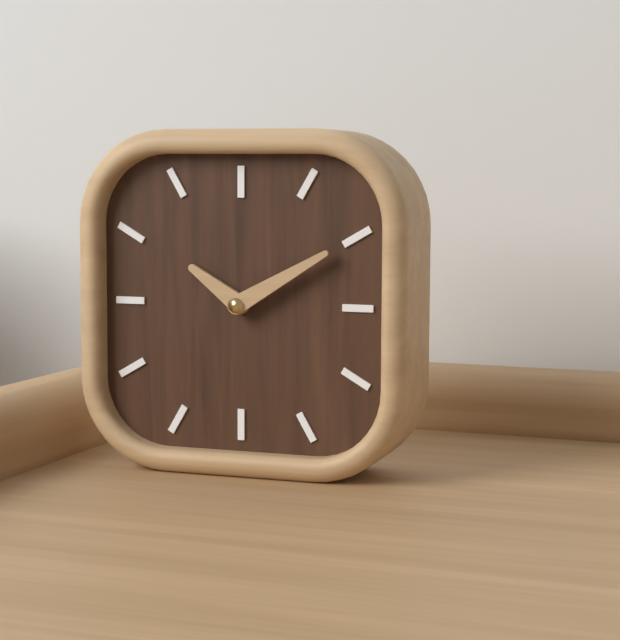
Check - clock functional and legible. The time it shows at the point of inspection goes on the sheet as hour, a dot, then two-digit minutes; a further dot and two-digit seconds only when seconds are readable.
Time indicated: 10.10
